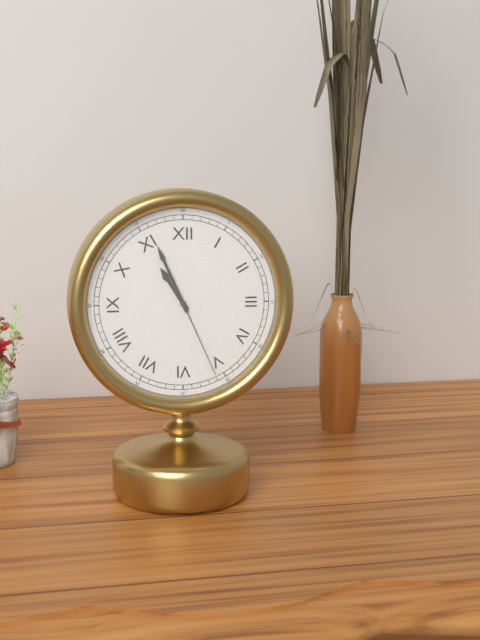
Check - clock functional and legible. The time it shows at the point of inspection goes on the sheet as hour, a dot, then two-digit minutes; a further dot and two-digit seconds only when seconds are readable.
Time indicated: 10.56.26
